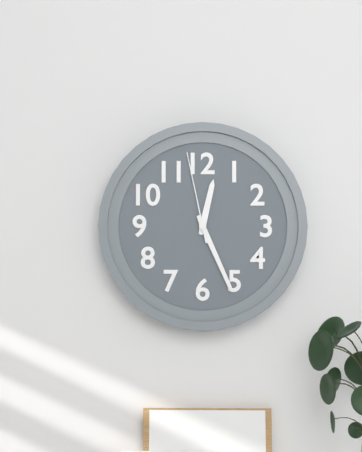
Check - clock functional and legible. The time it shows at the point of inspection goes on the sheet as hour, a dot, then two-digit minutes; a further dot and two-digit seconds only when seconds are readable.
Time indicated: 12.26.58
